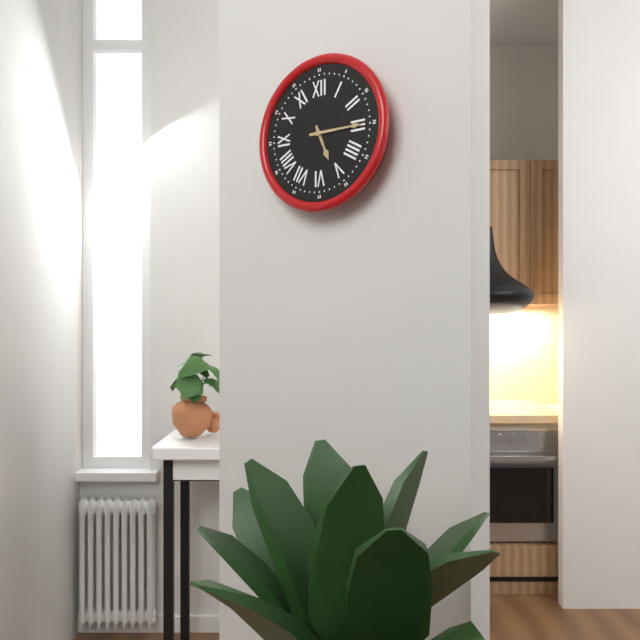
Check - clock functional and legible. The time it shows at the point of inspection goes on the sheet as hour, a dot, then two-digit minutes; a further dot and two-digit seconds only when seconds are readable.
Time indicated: 5.15
